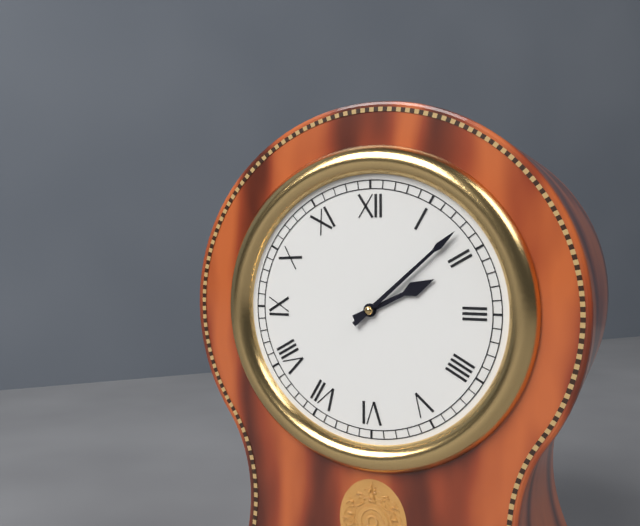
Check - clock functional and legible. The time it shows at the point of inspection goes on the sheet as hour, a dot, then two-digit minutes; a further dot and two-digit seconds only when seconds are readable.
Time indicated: 2.08
